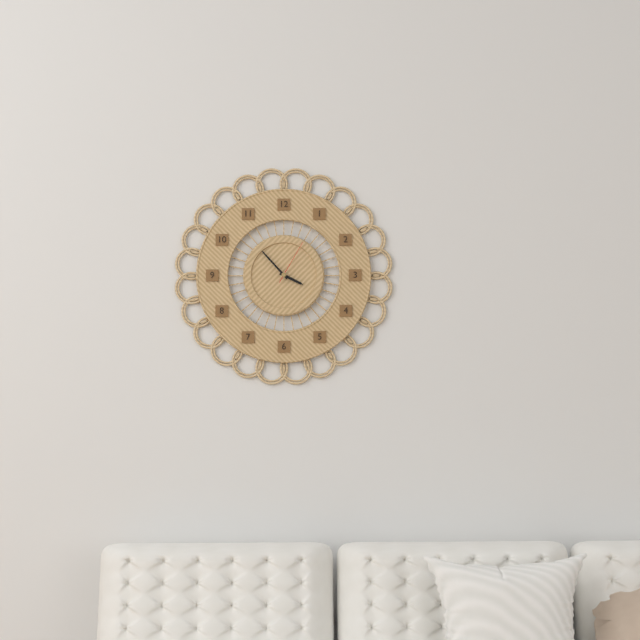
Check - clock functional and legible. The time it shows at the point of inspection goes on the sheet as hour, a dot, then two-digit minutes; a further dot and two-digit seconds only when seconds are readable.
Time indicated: 3.53
